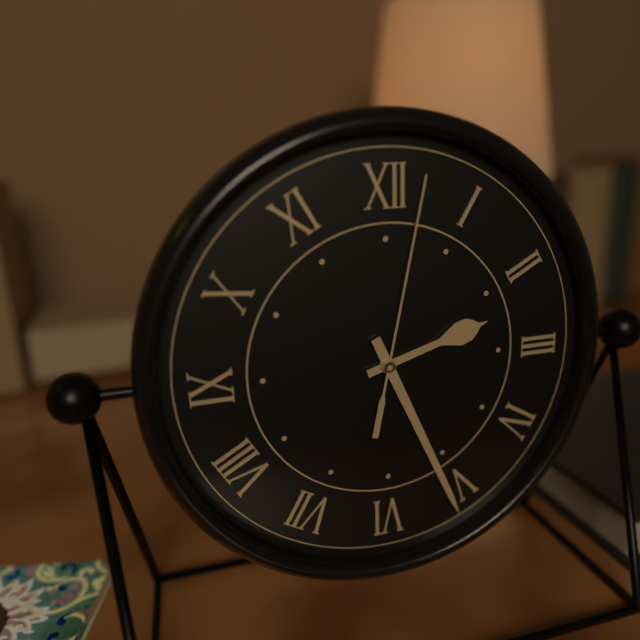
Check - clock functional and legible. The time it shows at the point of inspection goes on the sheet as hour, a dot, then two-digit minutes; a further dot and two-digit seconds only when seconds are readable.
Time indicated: 2.26.02
